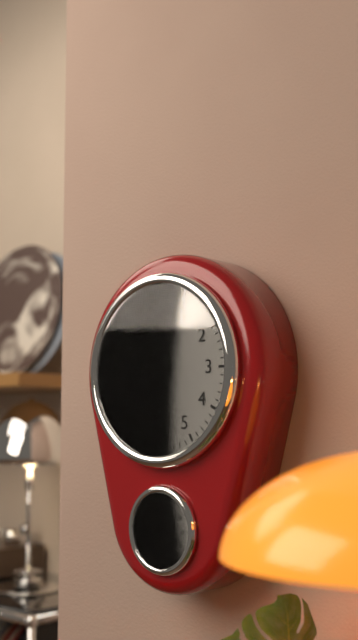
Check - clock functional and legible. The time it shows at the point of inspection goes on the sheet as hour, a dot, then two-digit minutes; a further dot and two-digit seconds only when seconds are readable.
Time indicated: 9.44.32
